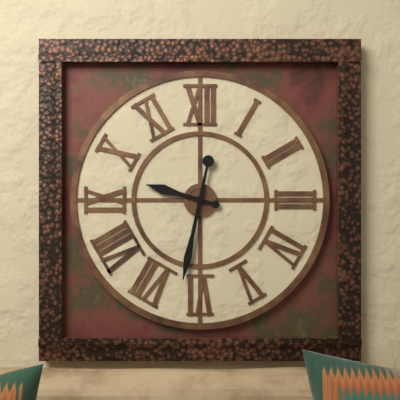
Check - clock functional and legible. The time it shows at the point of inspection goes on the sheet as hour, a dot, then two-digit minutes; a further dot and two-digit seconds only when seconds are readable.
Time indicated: 9.32
